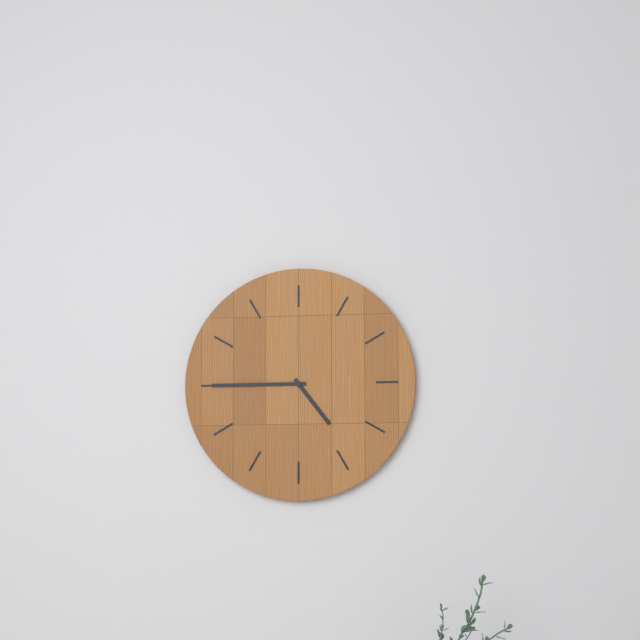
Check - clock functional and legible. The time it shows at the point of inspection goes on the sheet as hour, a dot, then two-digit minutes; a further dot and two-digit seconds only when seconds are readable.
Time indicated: 4.45
